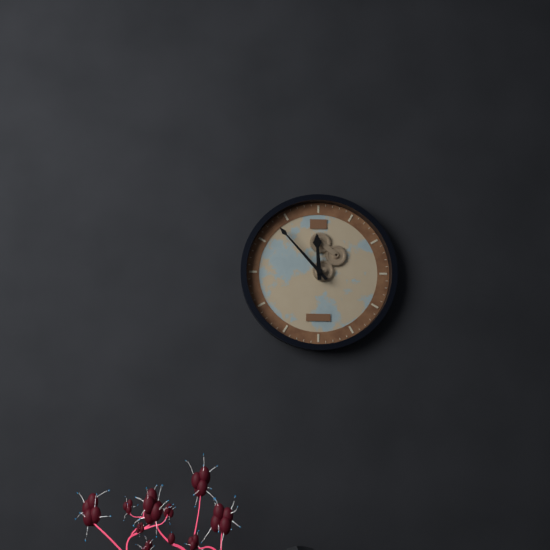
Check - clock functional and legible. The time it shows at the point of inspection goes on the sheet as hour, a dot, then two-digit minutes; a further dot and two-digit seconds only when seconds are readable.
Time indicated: 11.53
